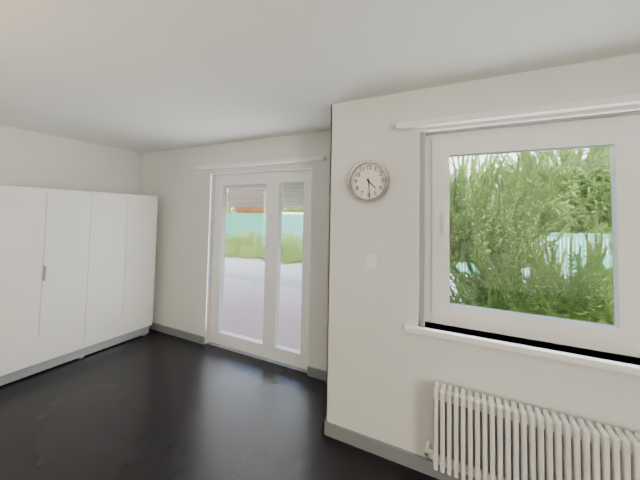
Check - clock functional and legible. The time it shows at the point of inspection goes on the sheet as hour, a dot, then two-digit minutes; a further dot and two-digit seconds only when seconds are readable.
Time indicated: 4.29
